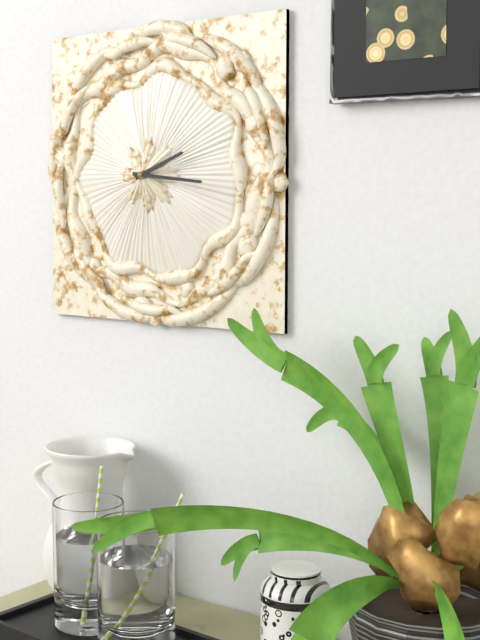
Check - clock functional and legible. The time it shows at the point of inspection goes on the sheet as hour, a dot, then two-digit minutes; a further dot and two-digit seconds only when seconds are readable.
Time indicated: 2.16
